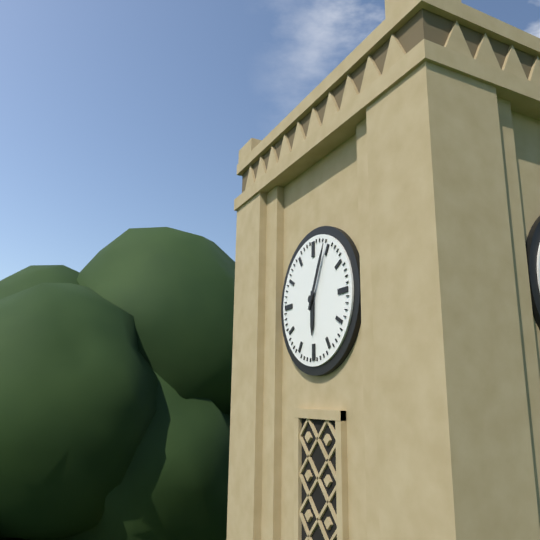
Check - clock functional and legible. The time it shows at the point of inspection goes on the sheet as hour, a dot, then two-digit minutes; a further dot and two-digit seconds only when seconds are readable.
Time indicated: 6.04
